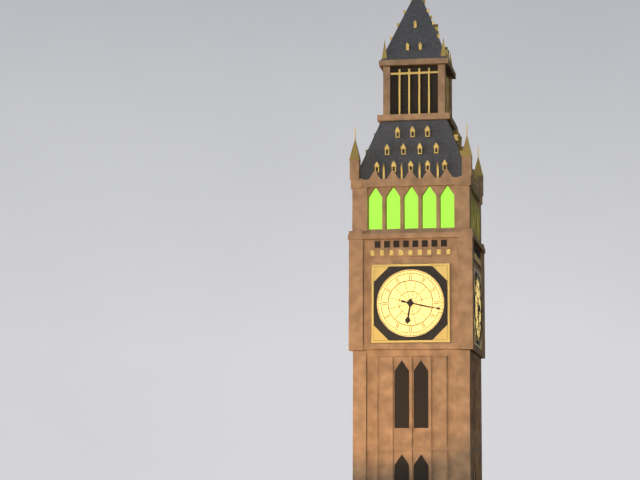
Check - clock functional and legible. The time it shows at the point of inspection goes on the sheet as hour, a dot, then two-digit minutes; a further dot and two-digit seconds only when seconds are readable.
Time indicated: 6.17
